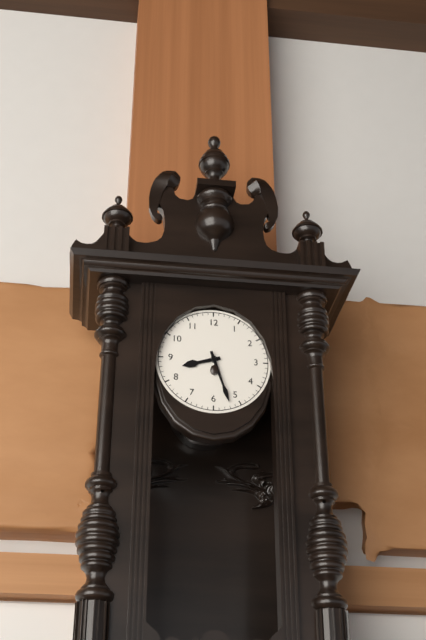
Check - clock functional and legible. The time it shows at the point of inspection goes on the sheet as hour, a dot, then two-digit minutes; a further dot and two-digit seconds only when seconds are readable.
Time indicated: 8.27
